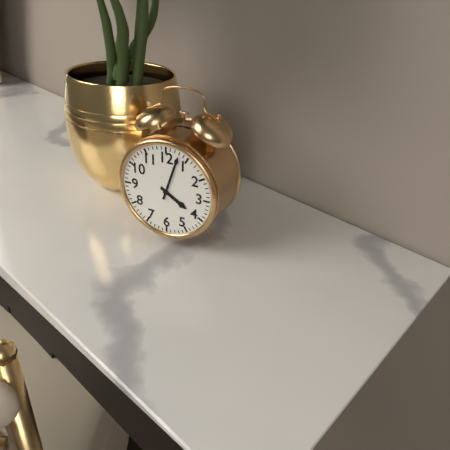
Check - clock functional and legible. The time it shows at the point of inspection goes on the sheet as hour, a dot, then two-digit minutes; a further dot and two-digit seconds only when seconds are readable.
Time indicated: 4.03
